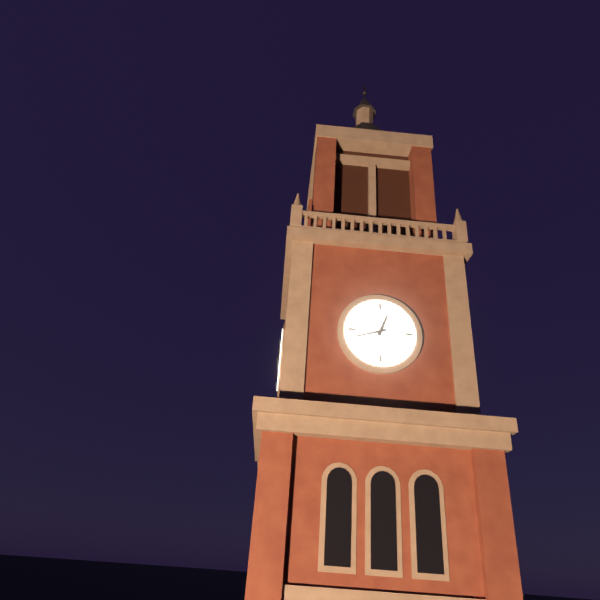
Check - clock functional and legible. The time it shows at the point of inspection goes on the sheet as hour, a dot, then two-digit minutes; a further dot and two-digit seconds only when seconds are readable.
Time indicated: 12.42
